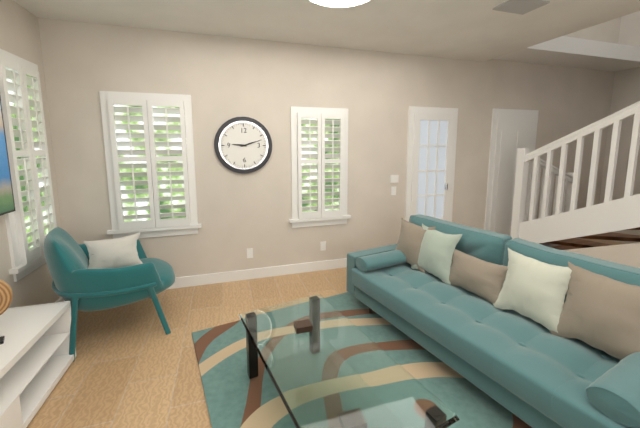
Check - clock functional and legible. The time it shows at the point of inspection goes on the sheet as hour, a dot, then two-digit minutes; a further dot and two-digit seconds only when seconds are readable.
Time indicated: 9.12
